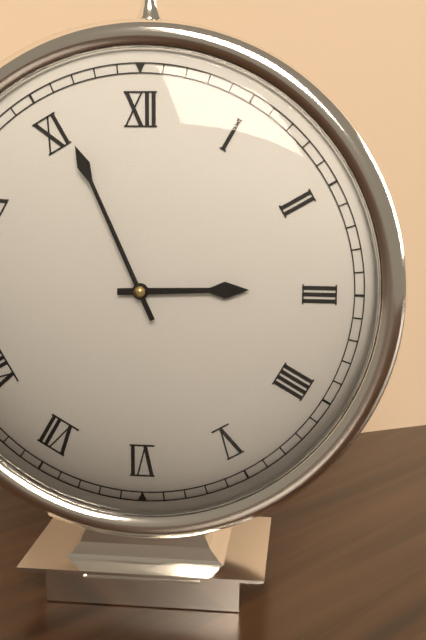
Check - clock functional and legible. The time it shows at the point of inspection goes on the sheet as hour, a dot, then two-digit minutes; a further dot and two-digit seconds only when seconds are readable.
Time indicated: 2.56
